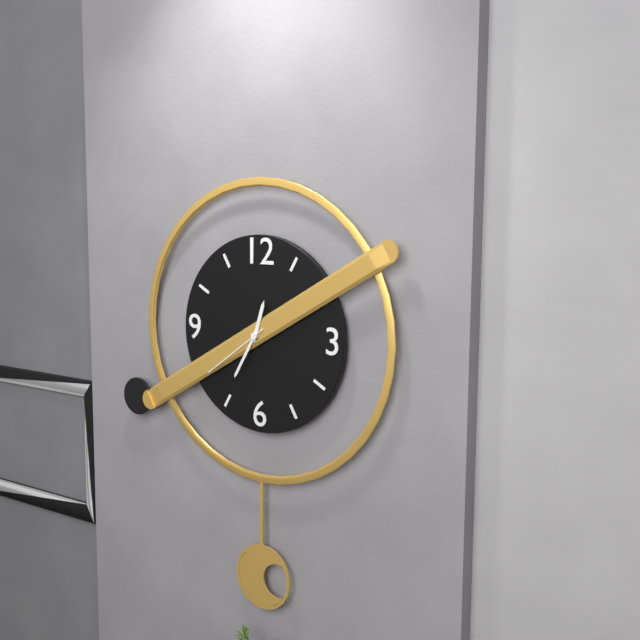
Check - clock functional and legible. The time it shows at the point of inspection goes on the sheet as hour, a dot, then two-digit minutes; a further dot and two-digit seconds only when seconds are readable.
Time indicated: 12.35.39
